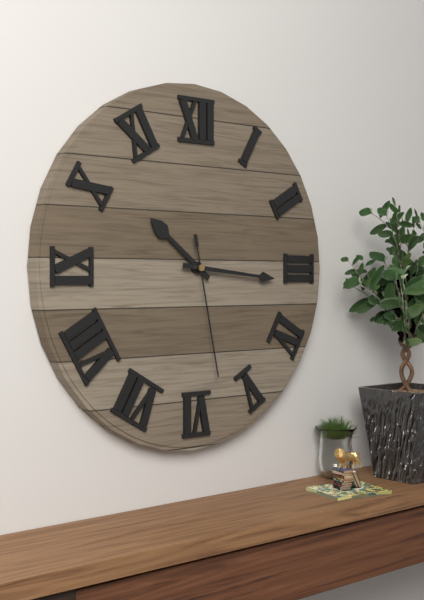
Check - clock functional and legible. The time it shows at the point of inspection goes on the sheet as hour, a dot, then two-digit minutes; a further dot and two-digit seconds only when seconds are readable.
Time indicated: 10.16.28
